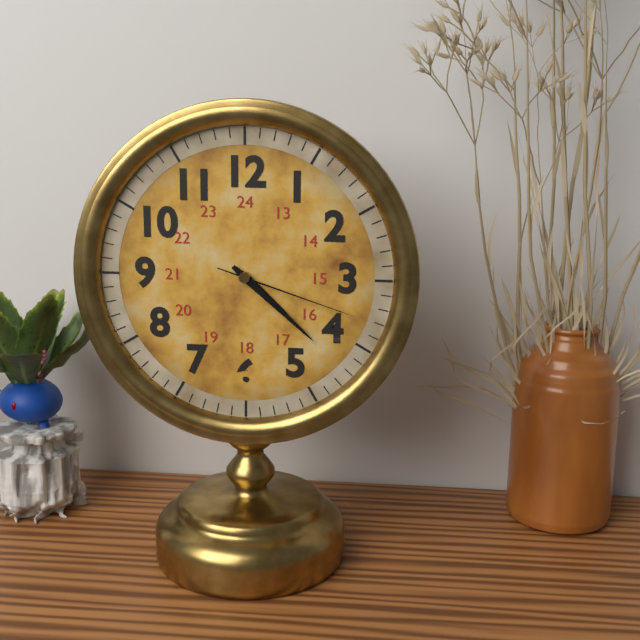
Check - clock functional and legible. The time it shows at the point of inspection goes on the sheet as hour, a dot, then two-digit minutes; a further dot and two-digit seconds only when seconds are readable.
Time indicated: 4.22.18
